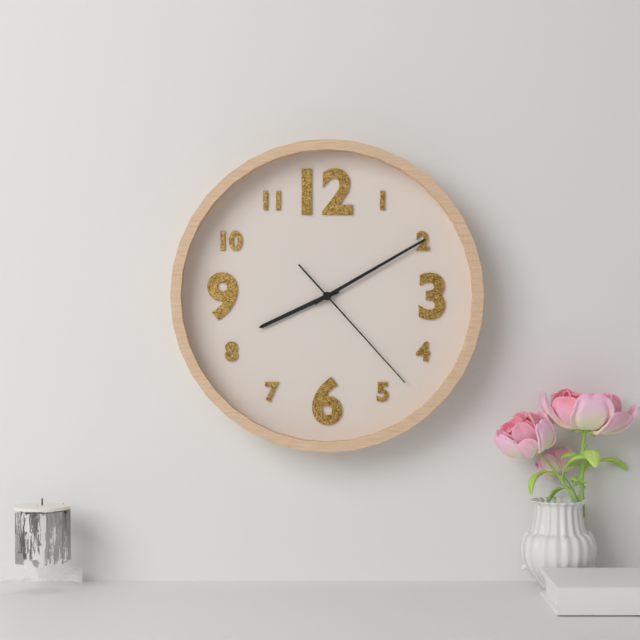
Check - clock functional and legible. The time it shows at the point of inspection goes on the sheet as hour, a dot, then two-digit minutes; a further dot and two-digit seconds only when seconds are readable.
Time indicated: 8.10.23
